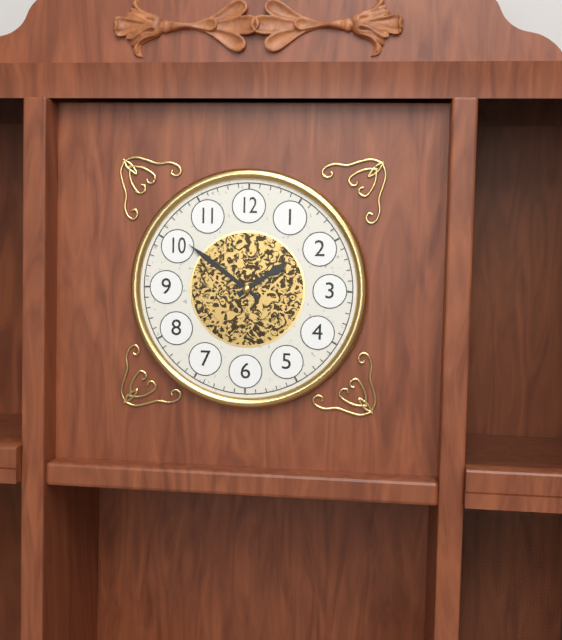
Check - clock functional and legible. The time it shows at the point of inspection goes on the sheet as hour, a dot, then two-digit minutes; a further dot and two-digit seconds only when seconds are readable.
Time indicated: 1.51
